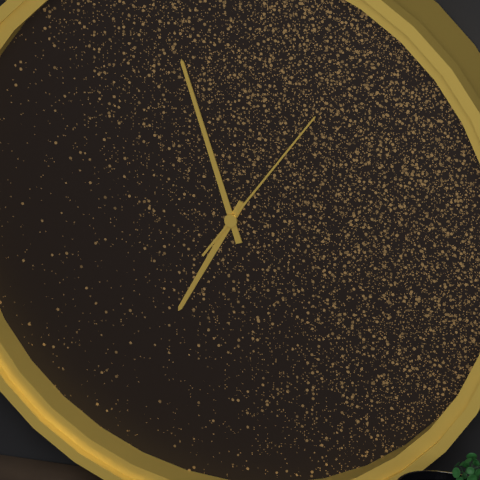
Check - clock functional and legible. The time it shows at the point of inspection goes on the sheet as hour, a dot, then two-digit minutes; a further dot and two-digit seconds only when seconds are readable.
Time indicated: 6.57.06
